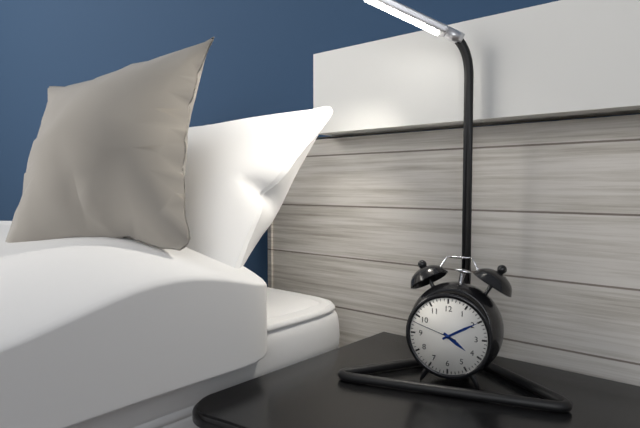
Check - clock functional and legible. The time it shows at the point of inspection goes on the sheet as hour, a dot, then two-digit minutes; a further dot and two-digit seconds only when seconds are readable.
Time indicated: 4.10
